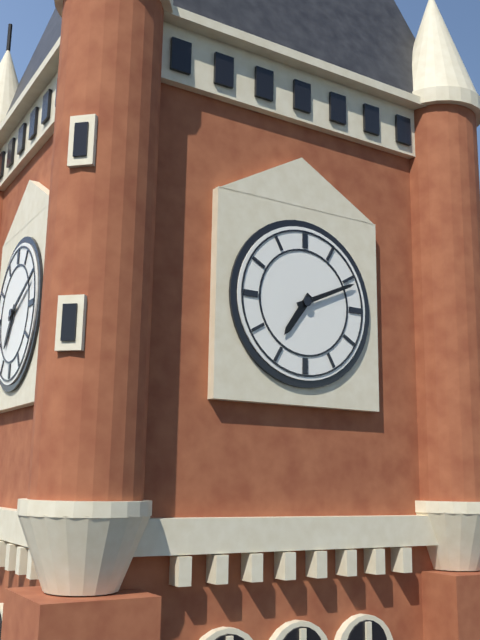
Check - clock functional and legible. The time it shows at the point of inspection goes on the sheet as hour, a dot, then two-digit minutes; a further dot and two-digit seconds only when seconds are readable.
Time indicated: 7.11
